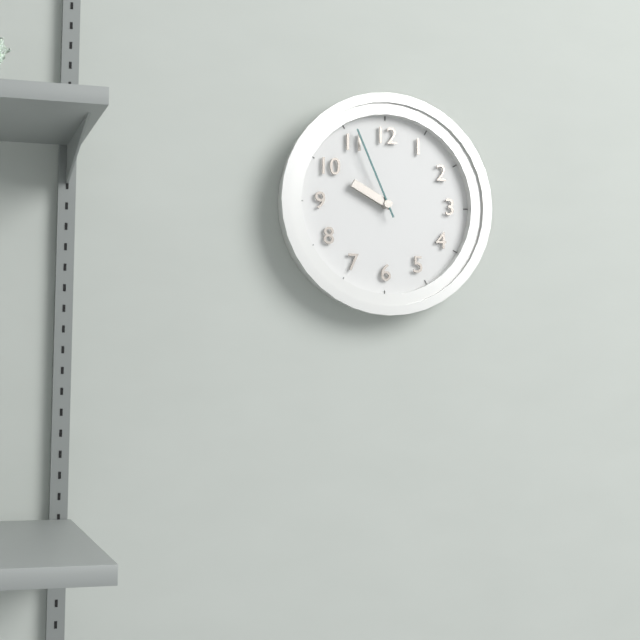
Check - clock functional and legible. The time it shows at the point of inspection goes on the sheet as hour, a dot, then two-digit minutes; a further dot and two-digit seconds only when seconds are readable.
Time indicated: 9.56
